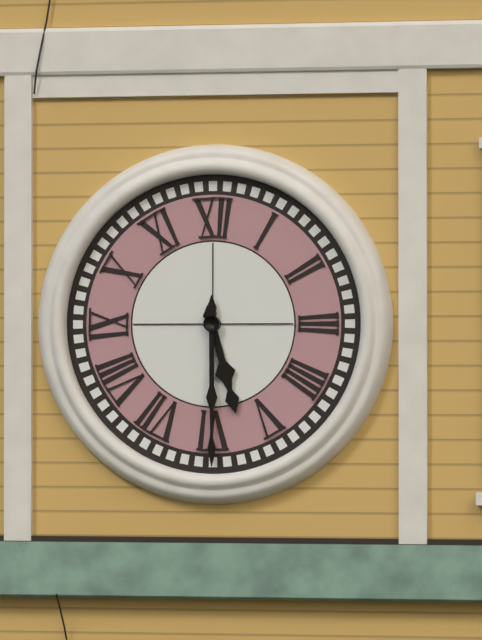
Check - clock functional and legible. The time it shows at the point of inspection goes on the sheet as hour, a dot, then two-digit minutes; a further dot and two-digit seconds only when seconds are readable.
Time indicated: 5.30
